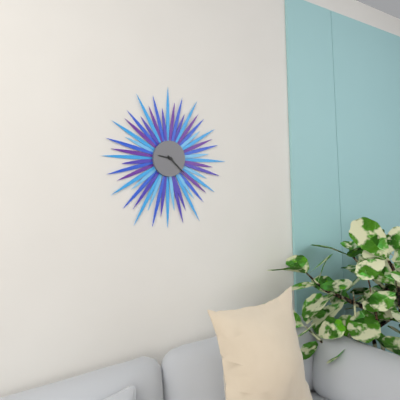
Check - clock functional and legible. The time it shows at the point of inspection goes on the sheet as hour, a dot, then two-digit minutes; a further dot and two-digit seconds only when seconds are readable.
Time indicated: 9.22
